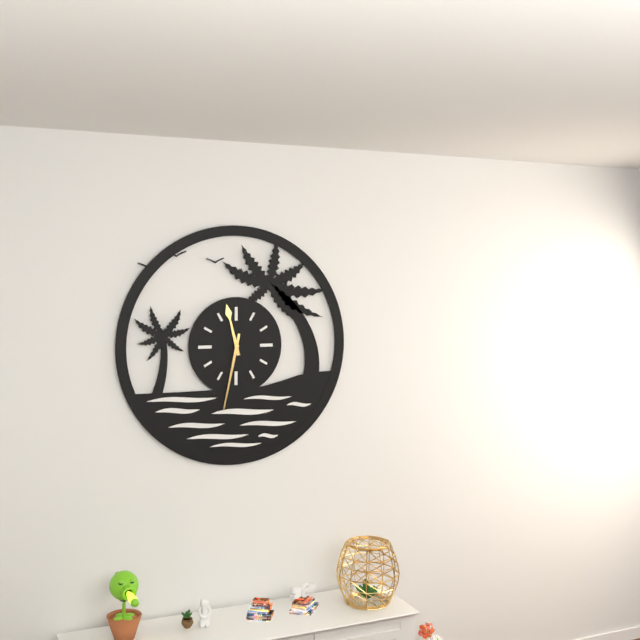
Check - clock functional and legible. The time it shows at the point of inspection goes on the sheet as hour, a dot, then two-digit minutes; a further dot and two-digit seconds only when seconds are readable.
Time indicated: 11.32
